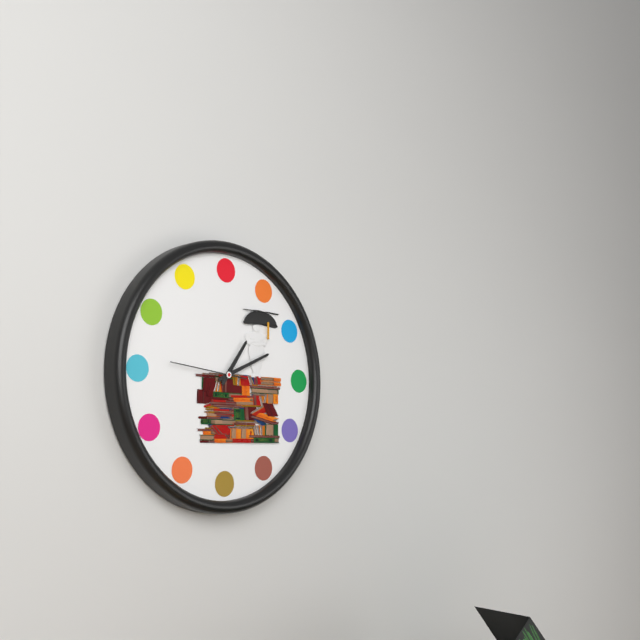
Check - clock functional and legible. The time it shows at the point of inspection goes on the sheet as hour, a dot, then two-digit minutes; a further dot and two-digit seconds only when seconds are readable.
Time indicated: 1.11.46
